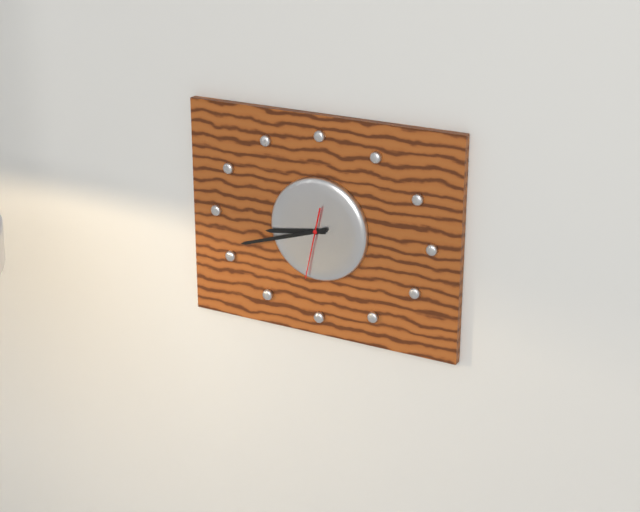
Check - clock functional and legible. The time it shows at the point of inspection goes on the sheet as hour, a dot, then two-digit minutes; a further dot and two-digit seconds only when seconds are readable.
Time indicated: 8.42.32
